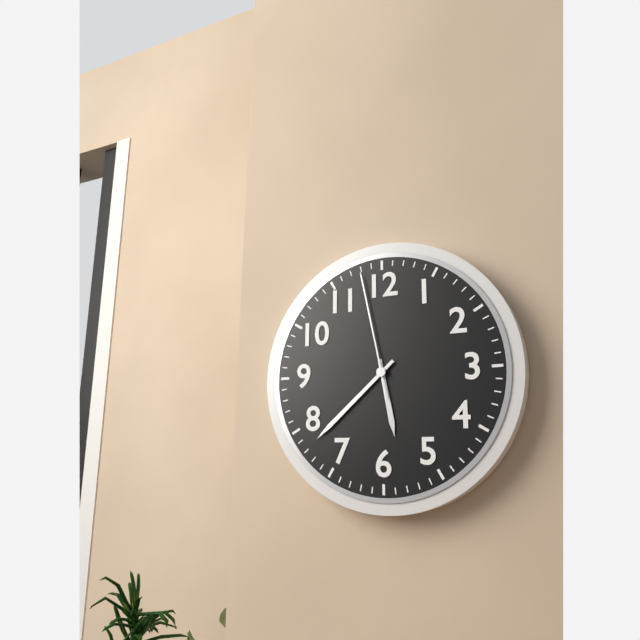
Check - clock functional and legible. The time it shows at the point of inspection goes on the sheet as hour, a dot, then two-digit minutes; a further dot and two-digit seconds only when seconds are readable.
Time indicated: 5.38.58
